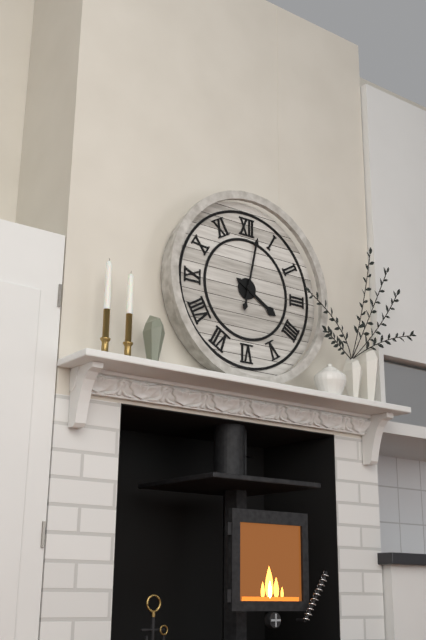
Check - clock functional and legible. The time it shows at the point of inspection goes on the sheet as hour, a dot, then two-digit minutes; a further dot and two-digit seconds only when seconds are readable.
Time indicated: 4.02
